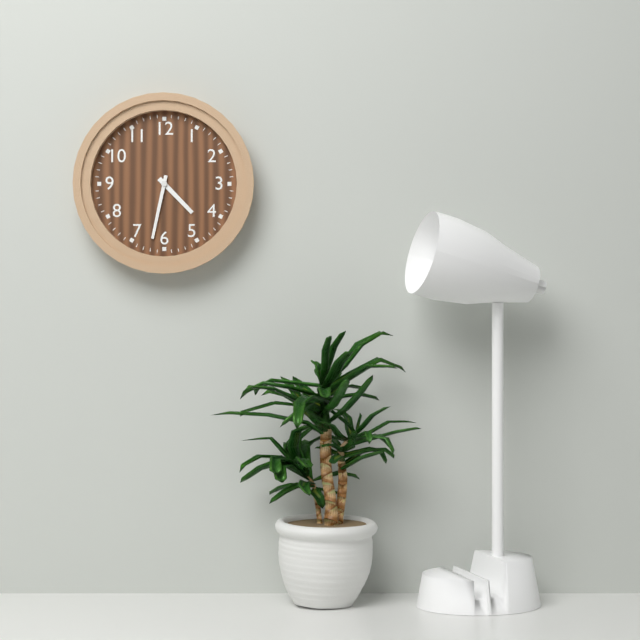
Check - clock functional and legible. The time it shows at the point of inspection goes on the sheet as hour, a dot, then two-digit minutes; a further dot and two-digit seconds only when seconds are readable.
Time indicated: 4.32
